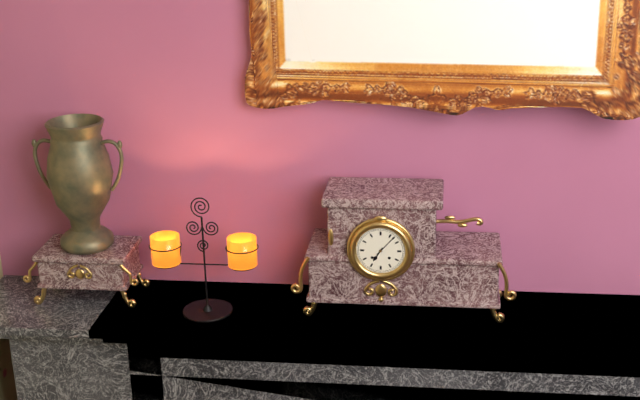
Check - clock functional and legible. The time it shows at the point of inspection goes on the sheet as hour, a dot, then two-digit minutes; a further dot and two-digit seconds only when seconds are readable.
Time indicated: 7.07
